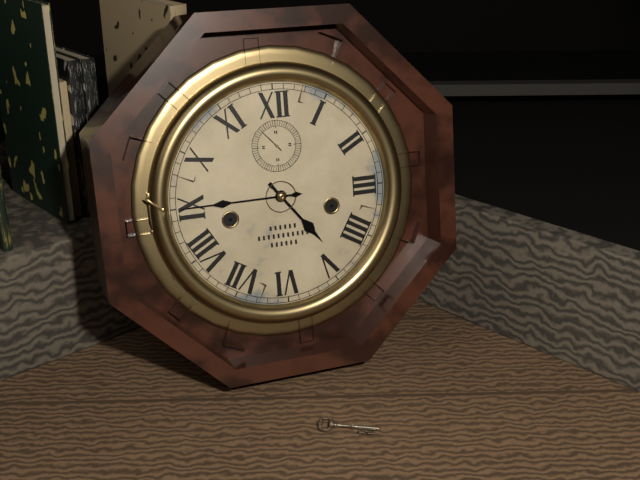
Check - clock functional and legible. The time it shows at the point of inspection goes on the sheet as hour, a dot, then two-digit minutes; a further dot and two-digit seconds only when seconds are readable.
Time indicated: 4.45
